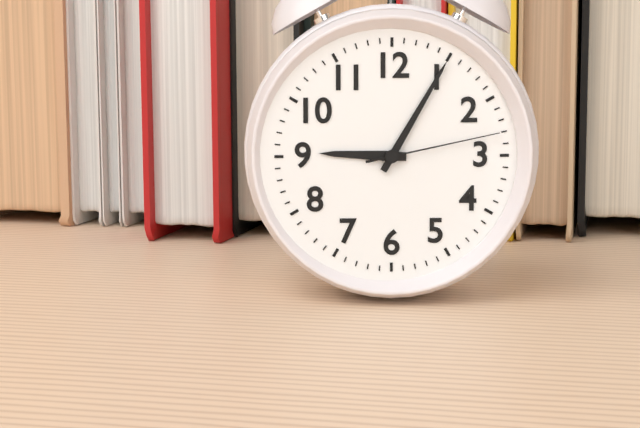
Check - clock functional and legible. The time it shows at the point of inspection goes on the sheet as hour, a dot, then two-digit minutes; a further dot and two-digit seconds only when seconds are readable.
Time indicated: 9.05.13
